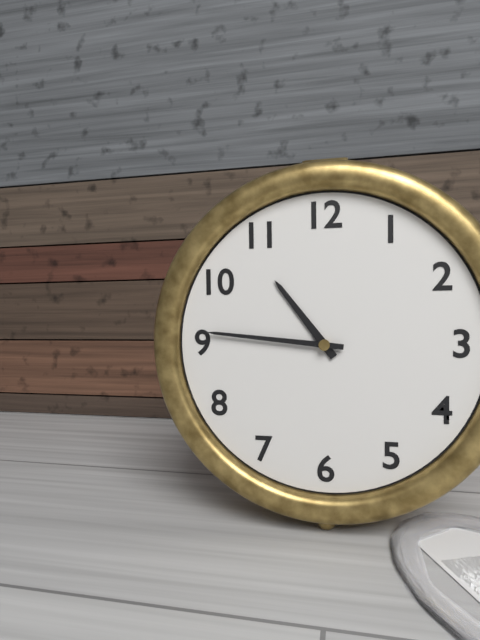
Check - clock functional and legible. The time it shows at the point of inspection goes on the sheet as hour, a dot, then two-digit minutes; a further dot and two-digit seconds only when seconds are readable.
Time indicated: 10.46
